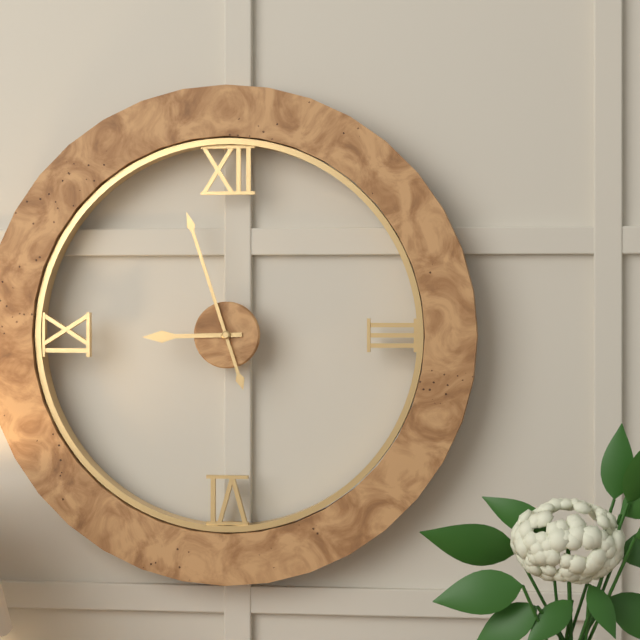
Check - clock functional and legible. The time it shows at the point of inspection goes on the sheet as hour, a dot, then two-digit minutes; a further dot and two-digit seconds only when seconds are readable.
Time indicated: 8.57
